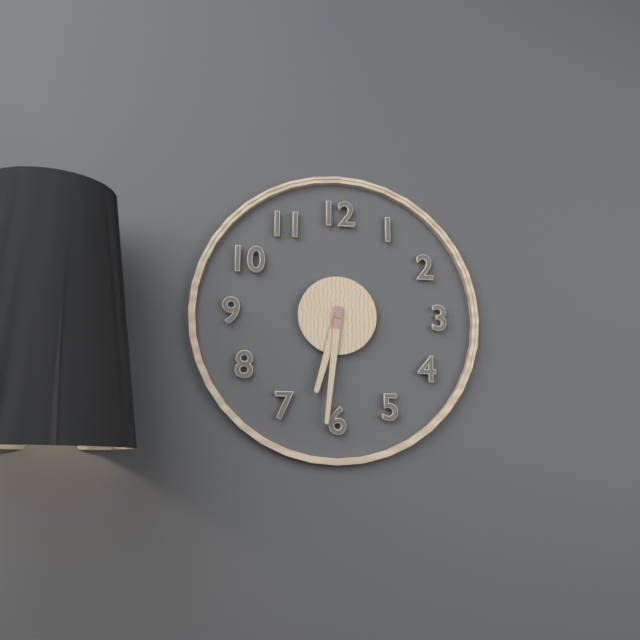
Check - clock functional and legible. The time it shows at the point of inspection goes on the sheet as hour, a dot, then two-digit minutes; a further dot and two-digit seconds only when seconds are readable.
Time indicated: 6.31
